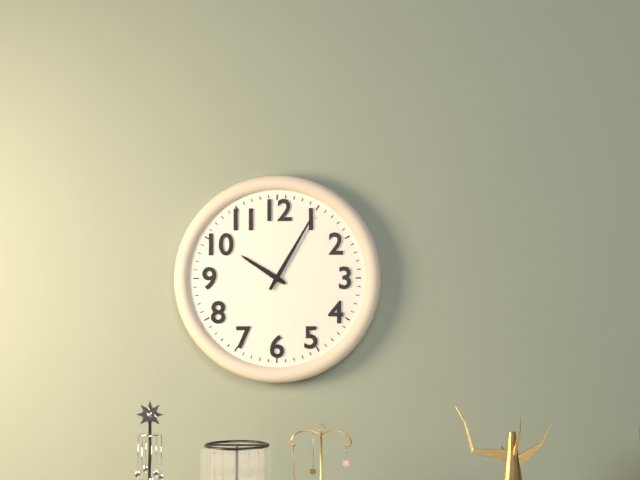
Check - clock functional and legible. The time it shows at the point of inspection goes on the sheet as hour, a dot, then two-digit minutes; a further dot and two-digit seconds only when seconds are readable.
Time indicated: 10.05
